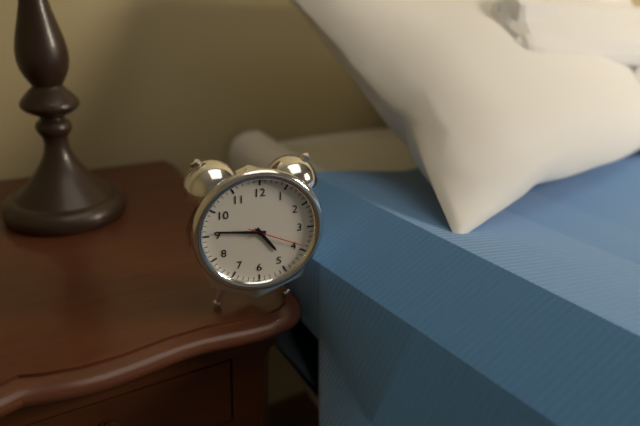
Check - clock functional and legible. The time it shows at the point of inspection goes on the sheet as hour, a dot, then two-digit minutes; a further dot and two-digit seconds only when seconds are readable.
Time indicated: 4.46.19
